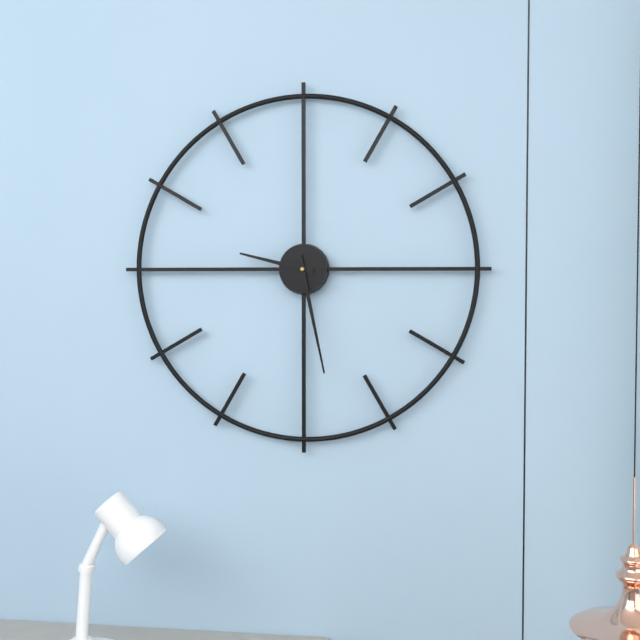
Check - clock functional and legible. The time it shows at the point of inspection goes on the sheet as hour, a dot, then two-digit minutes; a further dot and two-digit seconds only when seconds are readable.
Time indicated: 9.28
